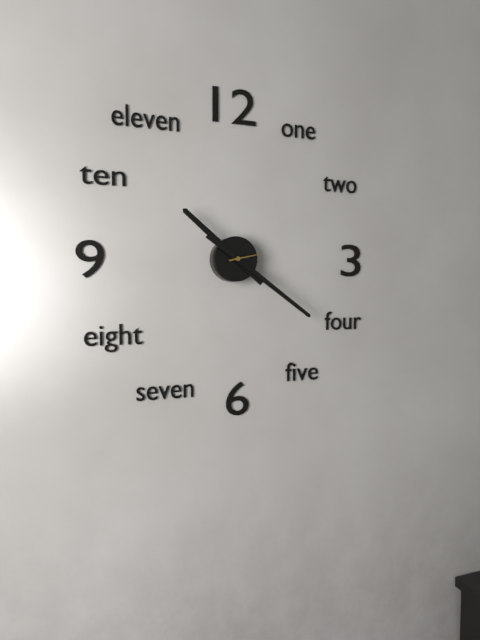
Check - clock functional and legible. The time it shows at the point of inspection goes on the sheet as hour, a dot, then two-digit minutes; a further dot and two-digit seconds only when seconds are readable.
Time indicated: 10.21
